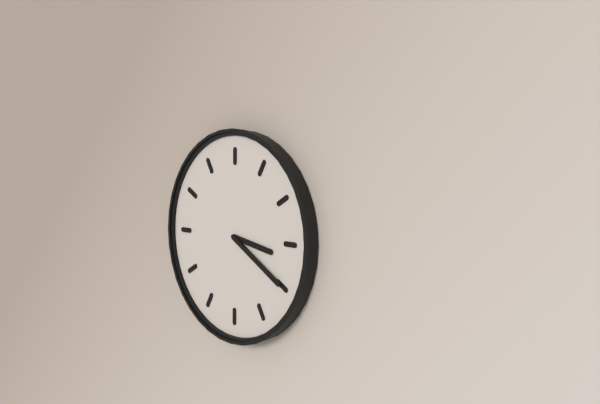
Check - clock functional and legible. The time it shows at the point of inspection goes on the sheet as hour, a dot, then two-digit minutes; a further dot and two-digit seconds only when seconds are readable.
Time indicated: 3.20
